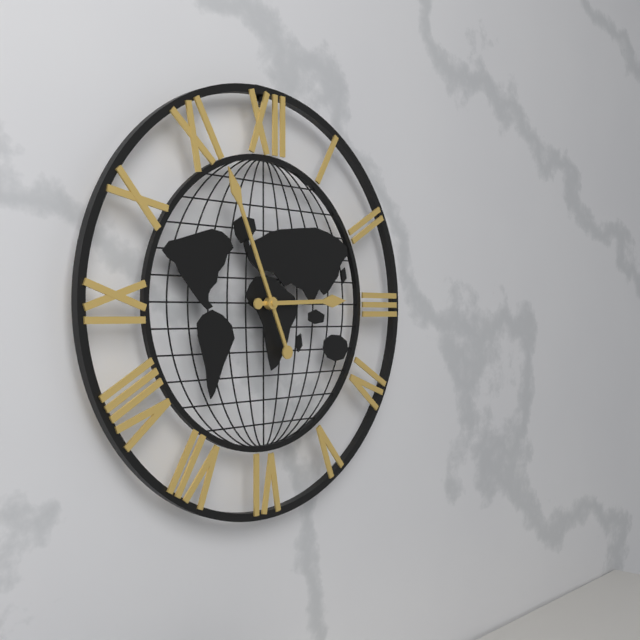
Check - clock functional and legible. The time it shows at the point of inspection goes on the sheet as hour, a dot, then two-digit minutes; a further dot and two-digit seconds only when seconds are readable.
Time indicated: 2.56
